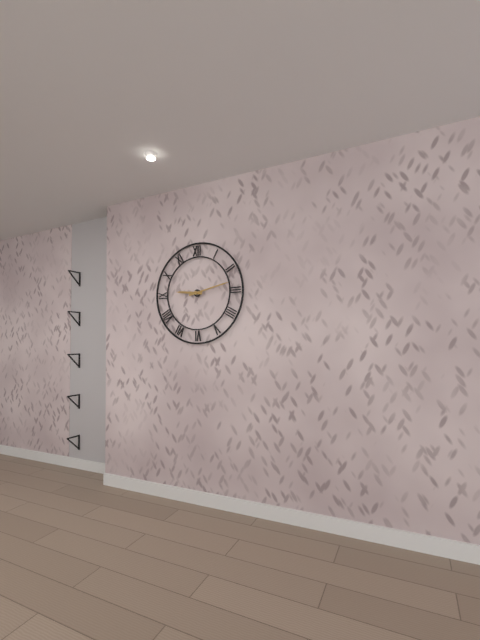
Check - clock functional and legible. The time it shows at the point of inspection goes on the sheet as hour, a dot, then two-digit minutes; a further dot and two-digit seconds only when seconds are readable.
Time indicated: 9.13
